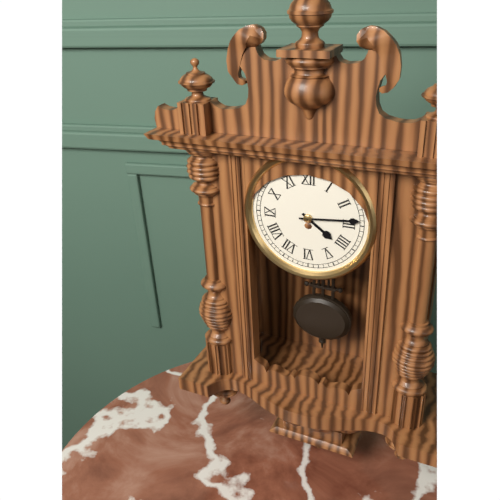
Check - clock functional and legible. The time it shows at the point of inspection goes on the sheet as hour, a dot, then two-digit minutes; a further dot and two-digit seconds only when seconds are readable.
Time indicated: 4.14
